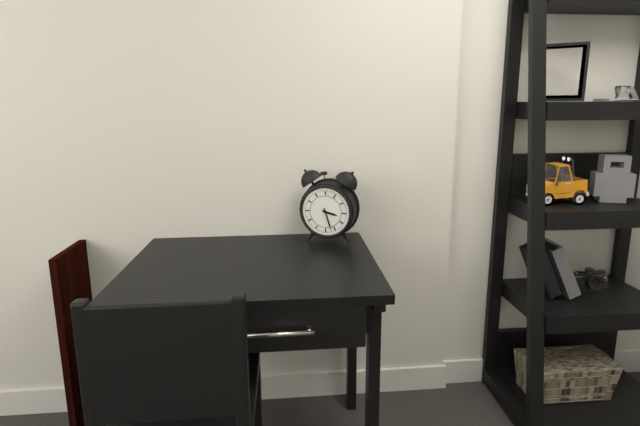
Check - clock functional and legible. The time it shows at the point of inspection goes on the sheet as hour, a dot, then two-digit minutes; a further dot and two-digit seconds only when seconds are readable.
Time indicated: 3.27
